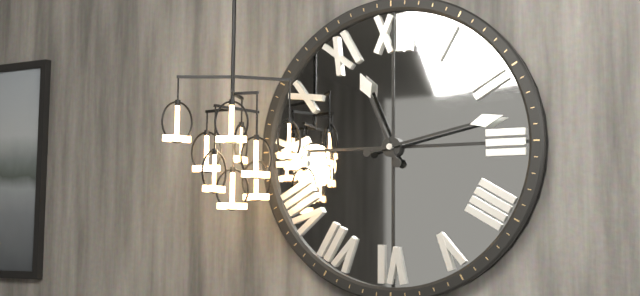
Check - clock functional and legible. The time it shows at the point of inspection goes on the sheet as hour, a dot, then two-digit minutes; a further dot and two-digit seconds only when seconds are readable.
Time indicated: 11.13
